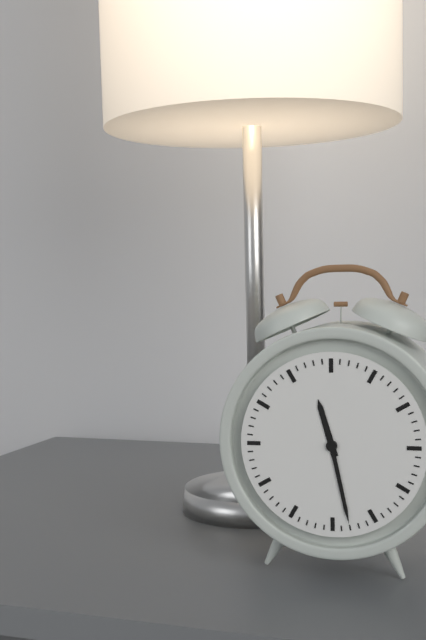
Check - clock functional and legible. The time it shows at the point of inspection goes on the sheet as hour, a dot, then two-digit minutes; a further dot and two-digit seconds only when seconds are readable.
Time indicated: 11.28
